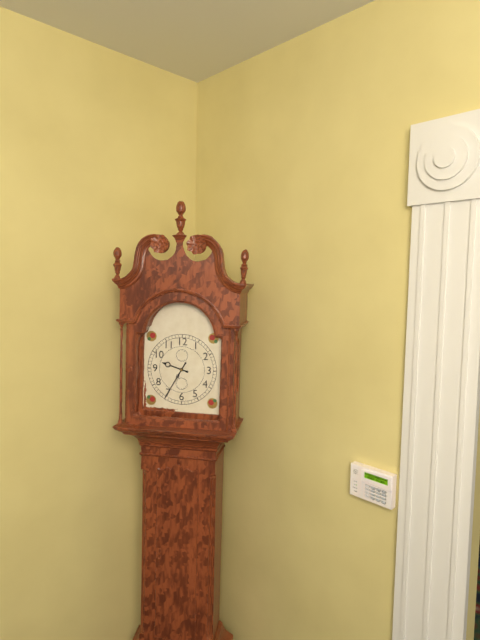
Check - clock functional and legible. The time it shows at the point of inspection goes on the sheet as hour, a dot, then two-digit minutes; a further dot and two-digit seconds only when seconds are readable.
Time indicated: 9.35
